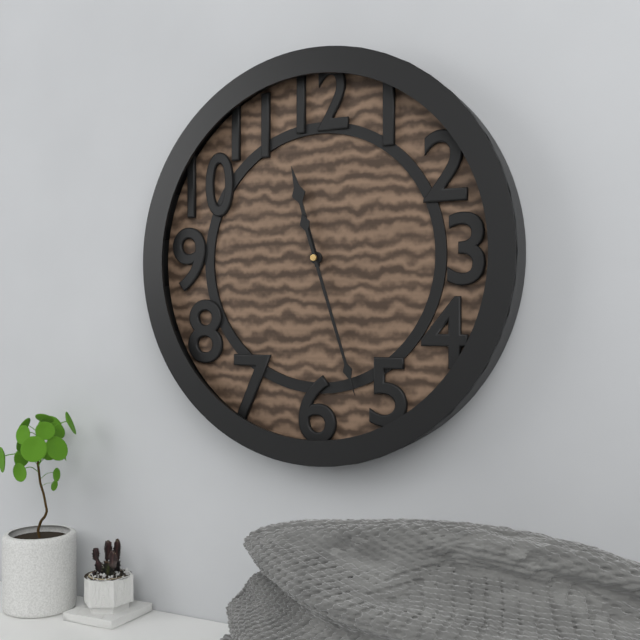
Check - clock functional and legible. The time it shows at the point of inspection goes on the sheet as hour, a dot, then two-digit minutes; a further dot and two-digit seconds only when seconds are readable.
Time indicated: 11.27
